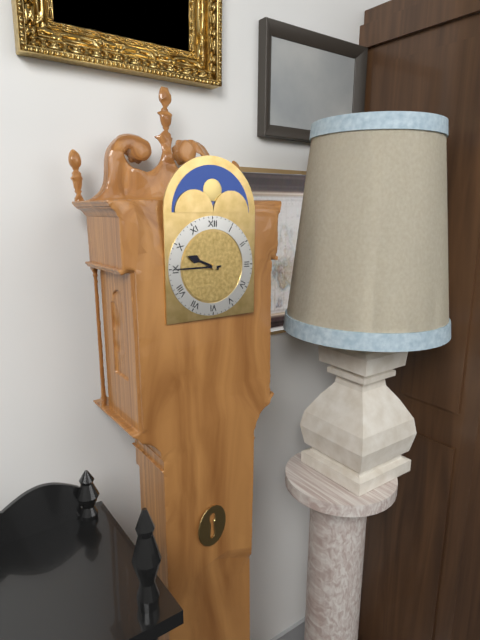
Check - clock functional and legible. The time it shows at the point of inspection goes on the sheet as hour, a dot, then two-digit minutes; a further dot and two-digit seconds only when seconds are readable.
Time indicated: 9.45
